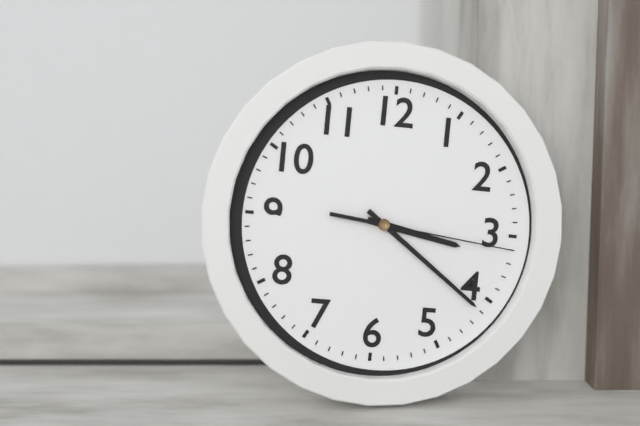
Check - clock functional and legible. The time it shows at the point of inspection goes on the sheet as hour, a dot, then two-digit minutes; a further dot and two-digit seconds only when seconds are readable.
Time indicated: 3.21.16
